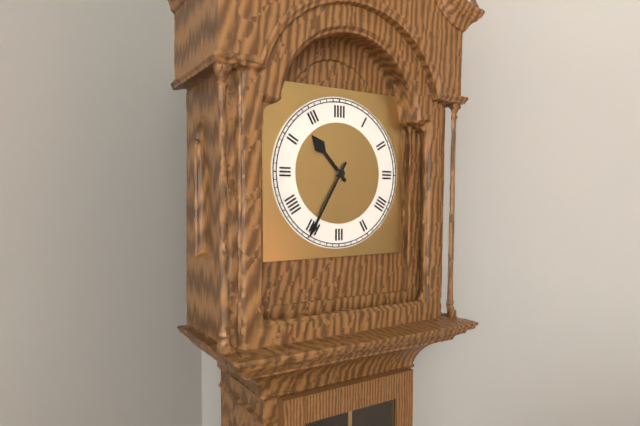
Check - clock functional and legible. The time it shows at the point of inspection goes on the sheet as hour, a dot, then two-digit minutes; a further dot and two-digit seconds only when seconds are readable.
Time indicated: 10.35
